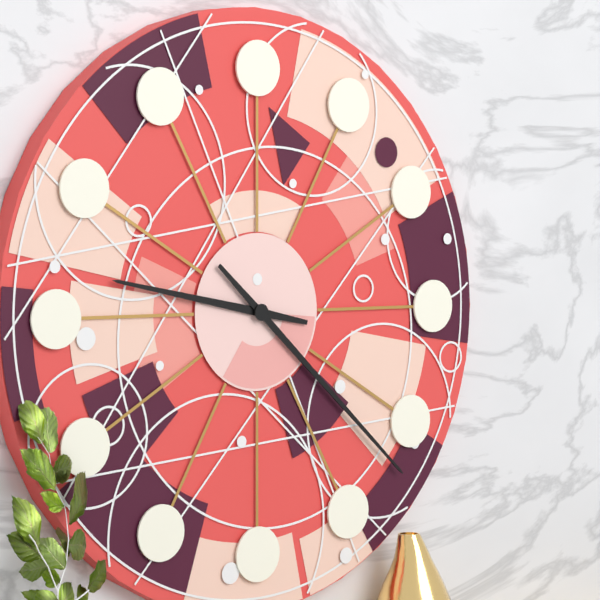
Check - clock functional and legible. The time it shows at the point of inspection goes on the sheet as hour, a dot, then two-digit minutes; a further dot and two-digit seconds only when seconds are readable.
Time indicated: 9.22
